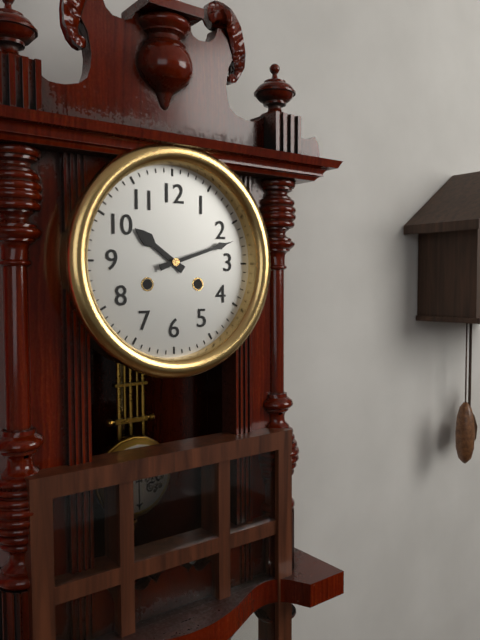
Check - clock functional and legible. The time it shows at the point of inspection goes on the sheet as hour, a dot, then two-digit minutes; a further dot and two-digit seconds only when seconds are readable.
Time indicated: 10.12
